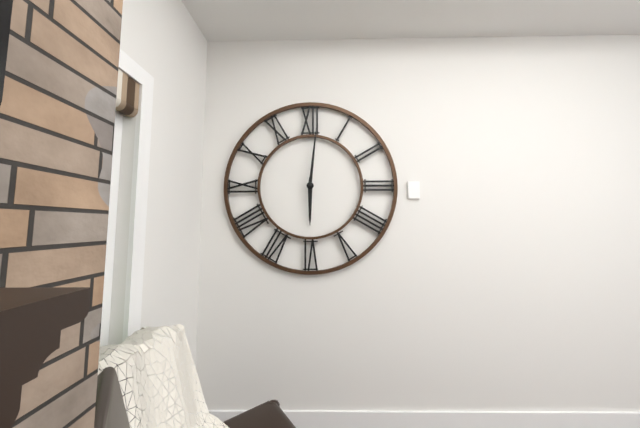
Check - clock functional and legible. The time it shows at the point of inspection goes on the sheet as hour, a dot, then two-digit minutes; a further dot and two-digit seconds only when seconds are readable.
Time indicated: 6.01
